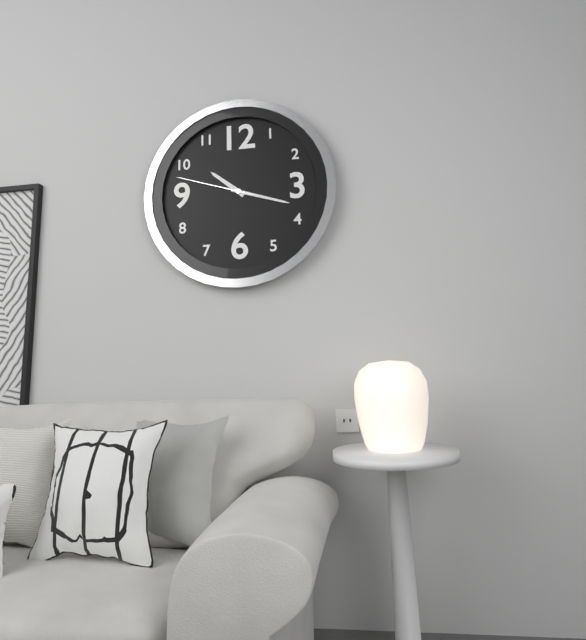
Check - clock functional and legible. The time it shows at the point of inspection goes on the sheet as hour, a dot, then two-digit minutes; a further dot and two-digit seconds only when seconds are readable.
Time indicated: 10.18.48
